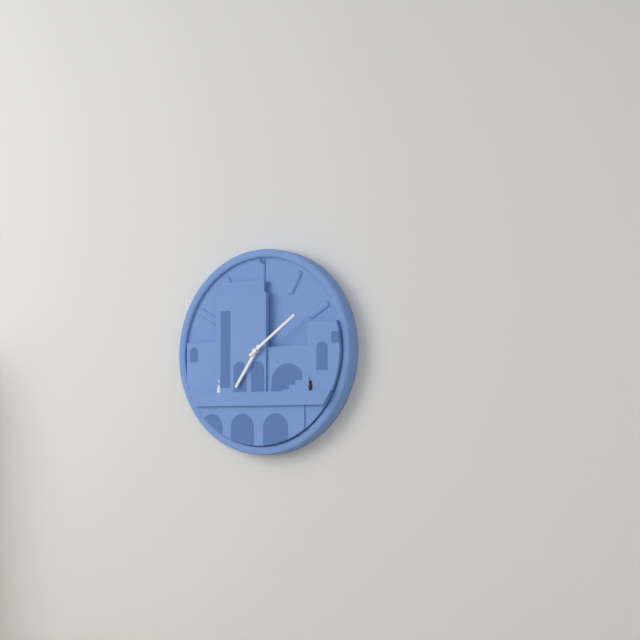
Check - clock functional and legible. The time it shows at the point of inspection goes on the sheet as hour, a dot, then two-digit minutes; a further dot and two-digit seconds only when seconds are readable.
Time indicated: 7.09
